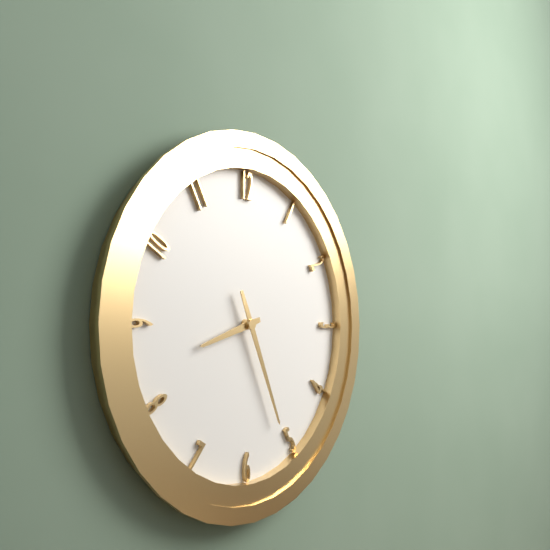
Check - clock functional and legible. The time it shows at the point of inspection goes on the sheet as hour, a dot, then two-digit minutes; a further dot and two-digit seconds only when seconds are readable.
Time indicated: 8.26
